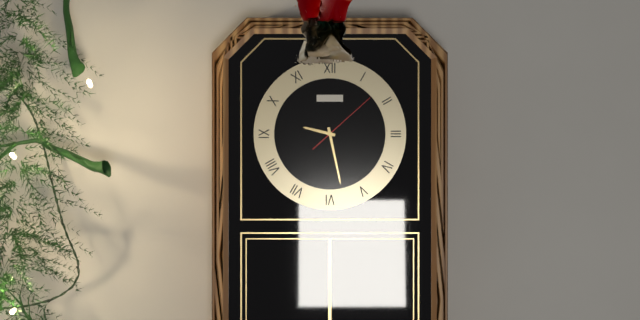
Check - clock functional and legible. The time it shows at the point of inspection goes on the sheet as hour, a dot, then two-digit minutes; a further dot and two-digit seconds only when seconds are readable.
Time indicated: 9.28.08
